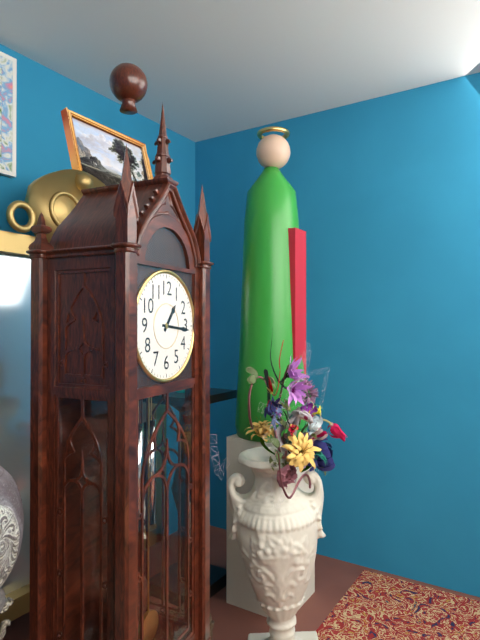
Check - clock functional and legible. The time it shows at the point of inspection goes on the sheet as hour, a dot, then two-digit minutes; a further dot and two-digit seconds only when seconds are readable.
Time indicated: 1.16
